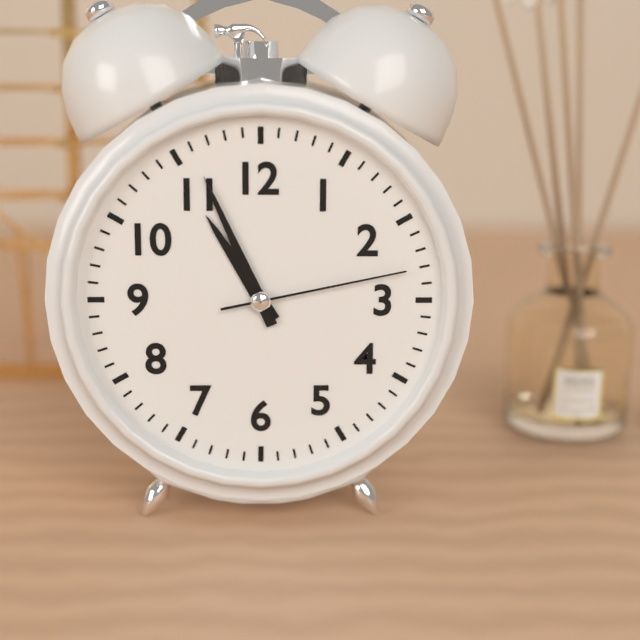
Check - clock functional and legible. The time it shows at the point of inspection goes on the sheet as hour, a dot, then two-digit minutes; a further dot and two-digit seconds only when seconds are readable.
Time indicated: 10.56.13
